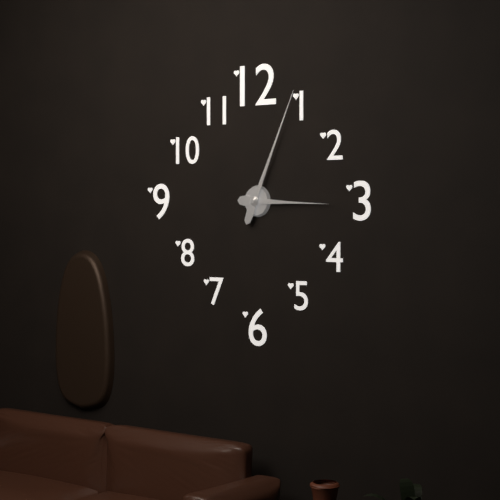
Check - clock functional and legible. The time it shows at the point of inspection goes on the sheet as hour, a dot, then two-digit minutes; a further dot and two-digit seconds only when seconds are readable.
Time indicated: 3.04
